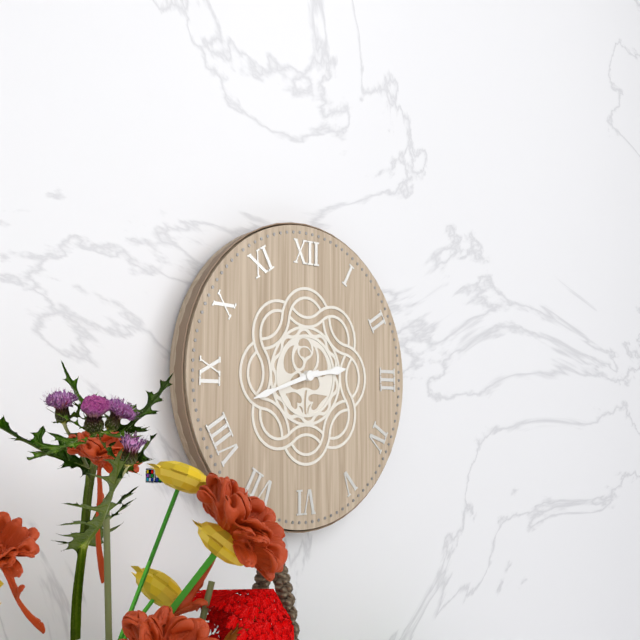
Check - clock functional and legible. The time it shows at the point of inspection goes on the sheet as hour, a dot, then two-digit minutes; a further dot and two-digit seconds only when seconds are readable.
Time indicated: 2.42
